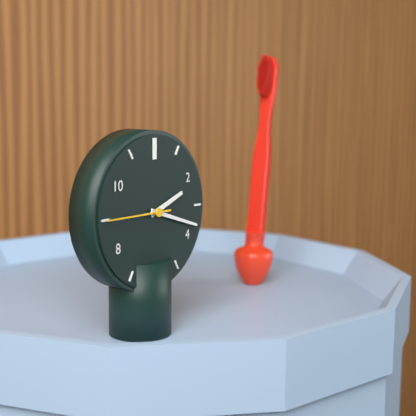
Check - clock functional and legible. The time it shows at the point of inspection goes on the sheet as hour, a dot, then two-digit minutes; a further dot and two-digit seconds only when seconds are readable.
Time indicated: 2.18.45
